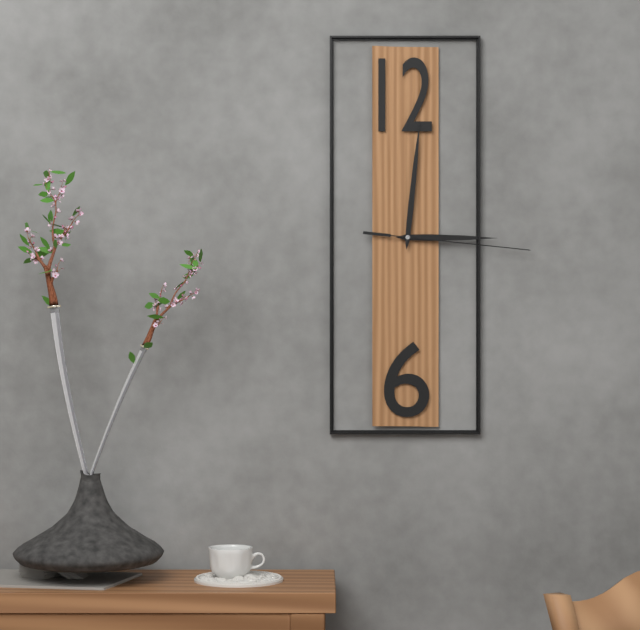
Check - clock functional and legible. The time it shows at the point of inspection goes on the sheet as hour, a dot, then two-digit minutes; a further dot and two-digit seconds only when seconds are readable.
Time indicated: 3.01.16
